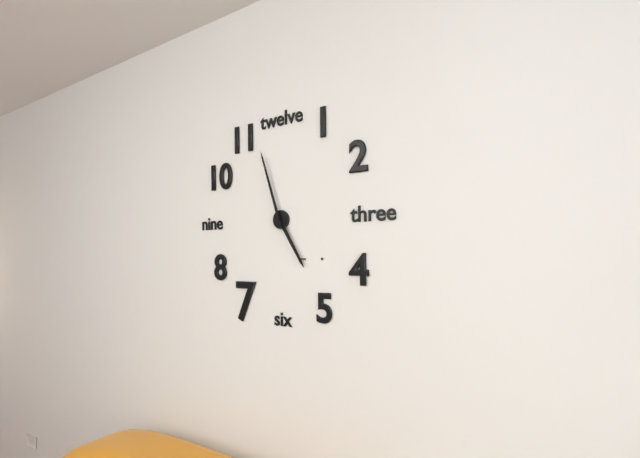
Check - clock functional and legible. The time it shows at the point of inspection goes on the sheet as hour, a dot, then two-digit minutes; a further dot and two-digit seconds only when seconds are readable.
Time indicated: 4.57
